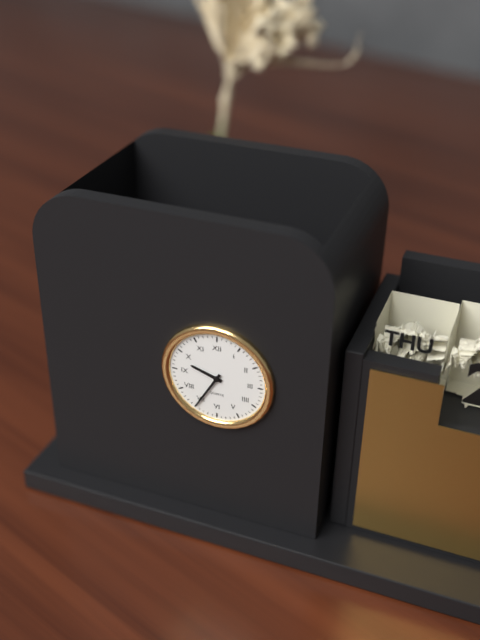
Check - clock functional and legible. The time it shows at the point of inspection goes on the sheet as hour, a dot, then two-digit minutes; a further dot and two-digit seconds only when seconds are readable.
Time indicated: 9.35
